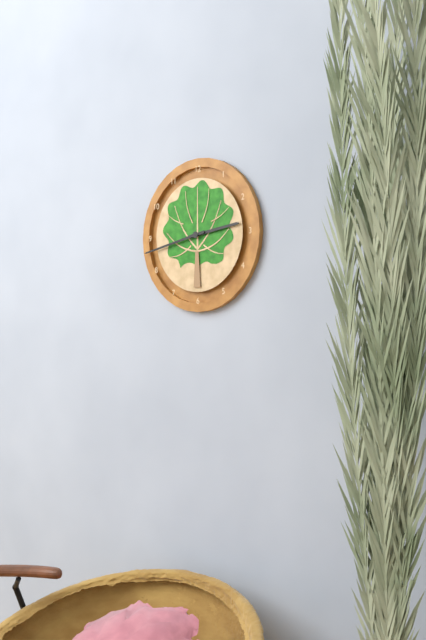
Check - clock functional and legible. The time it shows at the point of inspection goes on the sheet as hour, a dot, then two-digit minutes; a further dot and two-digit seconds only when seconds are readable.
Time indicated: 2.43
